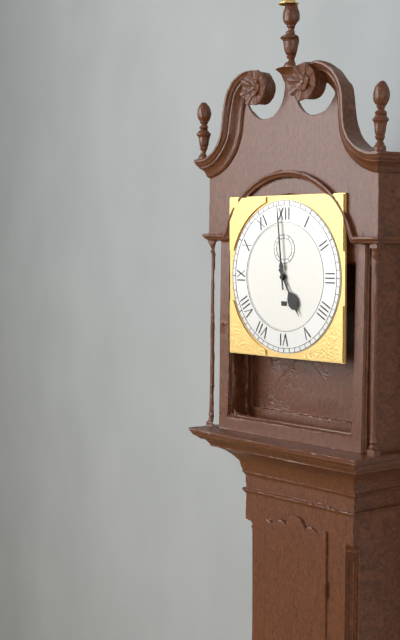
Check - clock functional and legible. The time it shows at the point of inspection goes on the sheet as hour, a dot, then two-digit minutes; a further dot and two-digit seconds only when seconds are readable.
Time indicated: 4.59
